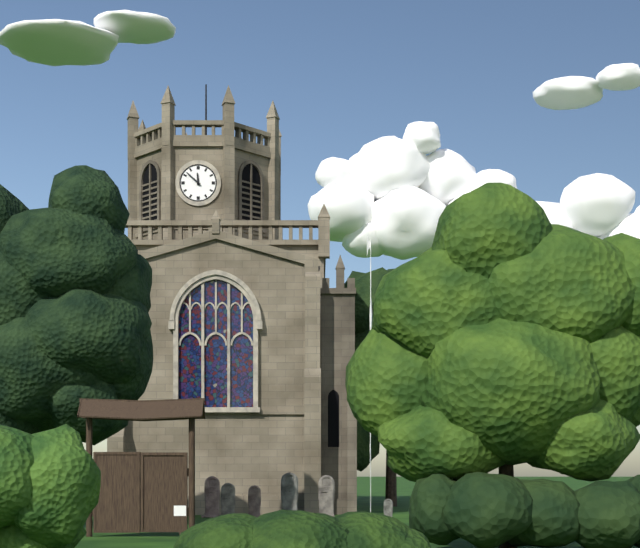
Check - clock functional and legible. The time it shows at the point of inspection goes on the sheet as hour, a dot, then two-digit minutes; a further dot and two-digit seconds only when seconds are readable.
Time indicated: 11.52
